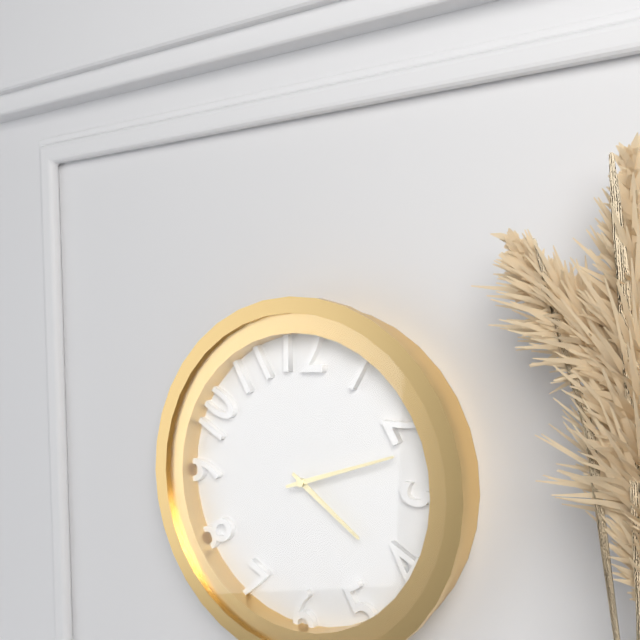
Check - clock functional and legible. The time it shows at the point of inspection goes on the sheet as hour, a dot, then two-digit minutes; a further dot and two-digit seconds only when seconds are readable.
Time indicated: 4.12
